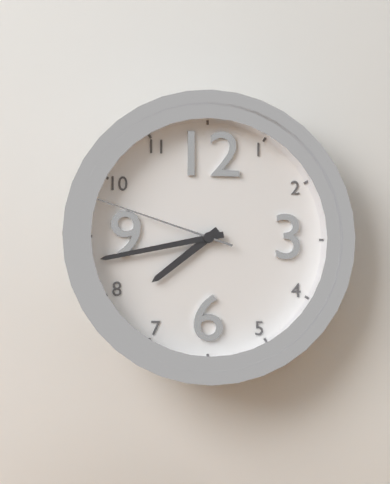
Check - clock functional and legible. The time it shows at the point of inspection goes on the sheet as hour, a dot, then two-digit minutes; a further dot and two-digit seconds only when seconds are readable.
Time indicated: 7.43.48
